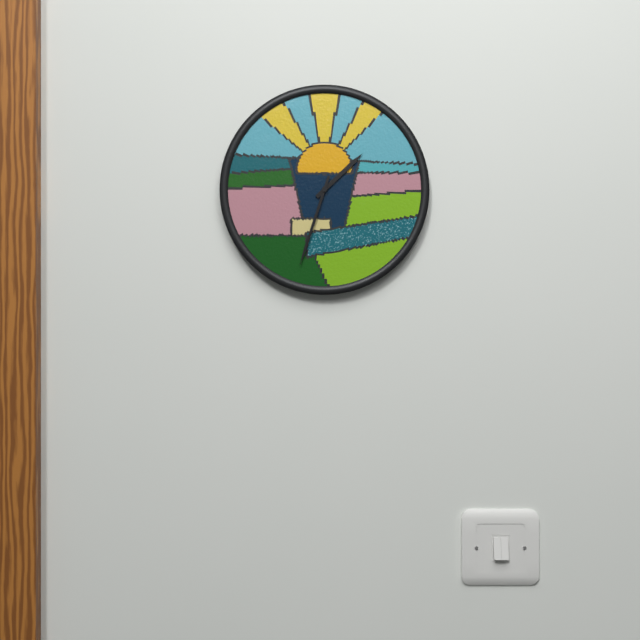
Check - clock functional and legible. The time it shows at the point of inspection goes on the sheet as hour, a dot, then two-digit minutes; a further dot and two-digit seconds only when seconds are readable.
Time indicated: 1.33
